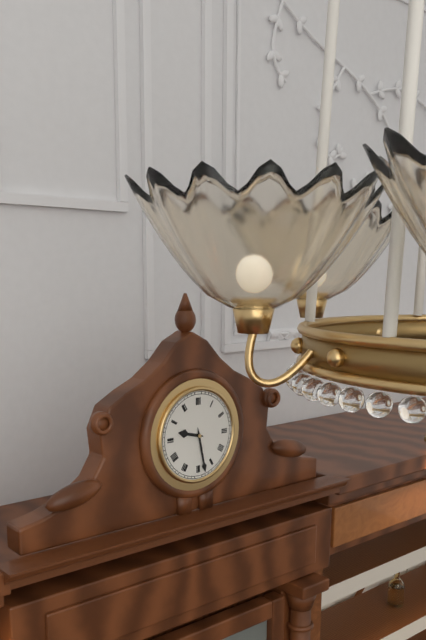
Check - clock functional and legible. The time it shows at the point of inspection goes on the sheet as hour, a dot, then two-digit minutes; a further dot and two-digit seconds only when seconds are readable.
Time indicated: 9.28
